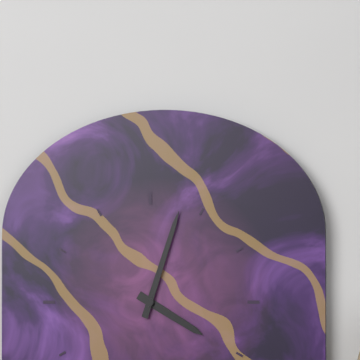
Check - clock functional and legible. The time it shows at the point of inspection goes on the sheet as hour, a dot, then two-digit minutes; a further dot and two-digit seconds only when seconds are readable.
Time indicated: 4.03
